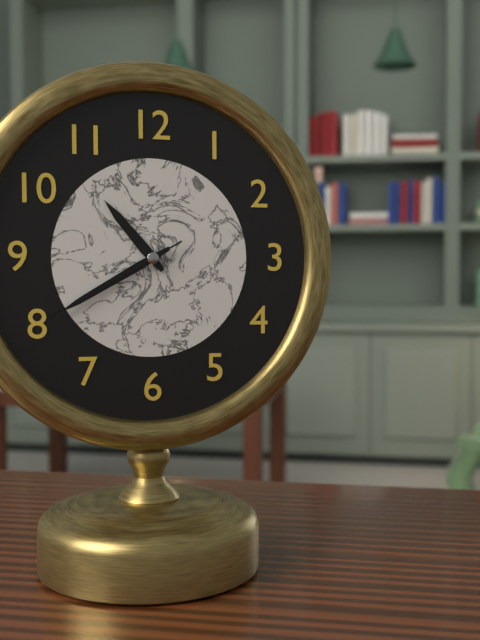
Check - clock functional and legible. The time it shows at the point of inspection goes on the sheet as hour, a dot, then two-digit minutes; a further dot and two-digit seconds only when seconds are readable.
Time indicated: 10.40.40
